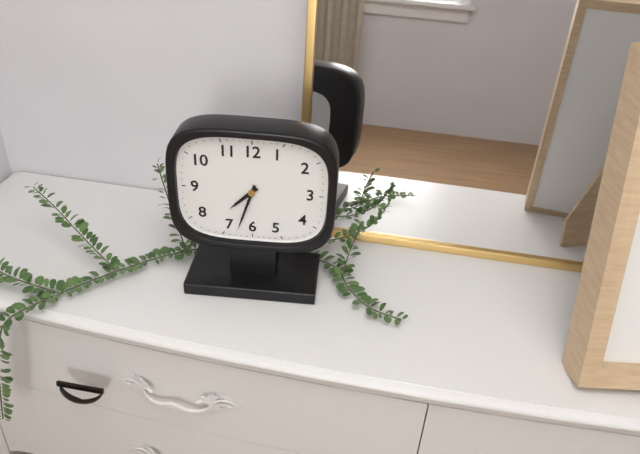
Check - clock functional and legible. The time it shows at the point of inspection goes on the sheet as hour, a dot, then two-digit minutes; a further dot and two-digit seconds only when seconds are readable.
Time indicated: 7.33
